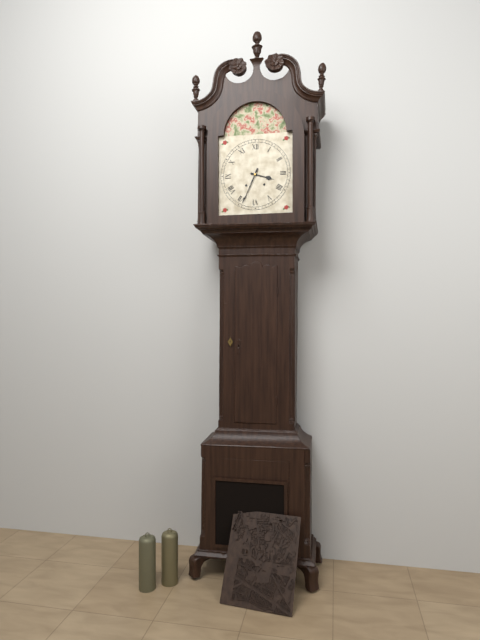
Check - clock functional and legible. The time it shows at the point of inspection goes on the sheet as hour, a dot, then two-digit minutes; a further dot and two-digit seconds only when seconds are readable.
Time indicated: 3.34
